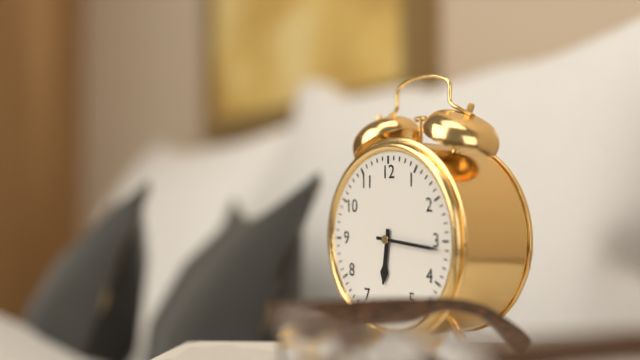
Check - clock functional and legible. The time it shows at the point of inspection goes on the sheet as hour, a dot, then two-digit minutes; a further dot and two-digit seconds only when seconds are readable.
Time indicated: 6.16
